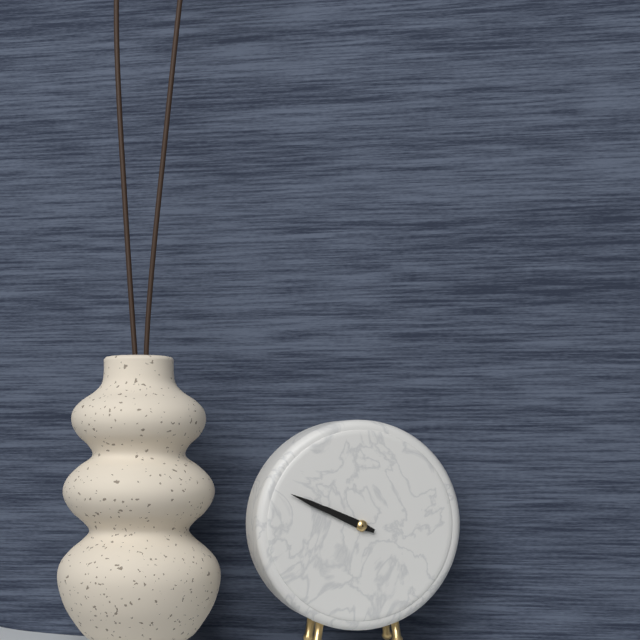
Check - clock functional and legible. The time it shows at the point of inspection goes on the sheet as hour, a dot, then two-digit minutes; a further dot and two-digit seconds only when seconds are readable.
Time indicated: 9.49
